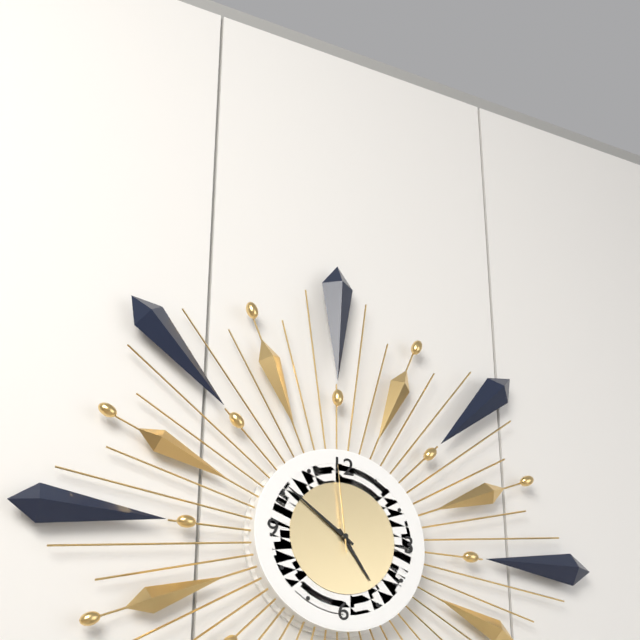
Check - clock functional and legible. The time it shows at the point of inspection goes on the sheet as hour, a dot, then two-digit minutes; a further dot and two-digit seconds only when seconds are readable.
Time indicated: 4.51.59
